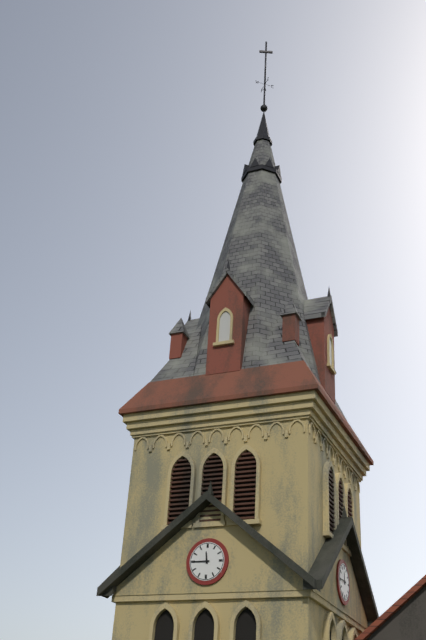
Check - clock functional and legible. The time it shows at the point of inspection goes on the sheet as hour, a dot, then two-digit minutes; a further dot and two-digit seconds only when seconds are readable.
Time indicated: 11.45
